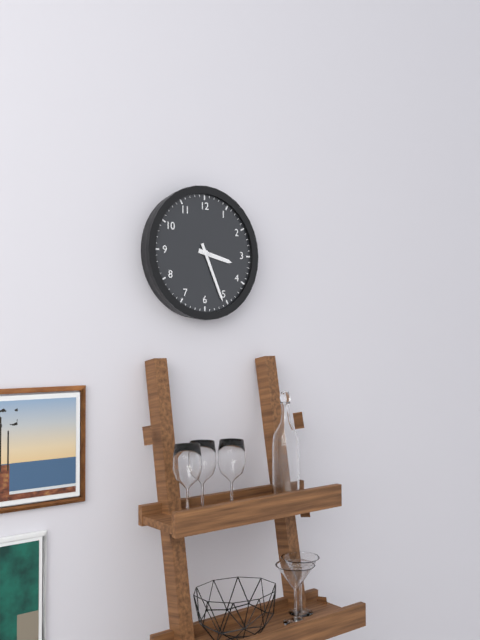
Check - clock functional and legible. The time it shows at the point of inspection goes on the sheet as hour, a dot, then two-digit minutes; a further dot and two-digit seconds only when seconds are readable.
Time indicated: 3.26
